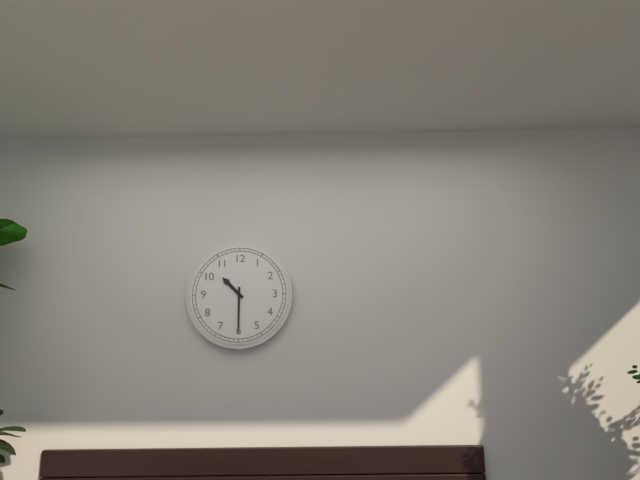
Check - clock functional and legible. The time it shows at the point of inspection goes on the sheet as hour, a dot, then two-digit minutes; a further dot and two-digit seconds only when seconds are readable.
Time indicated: 10.30
